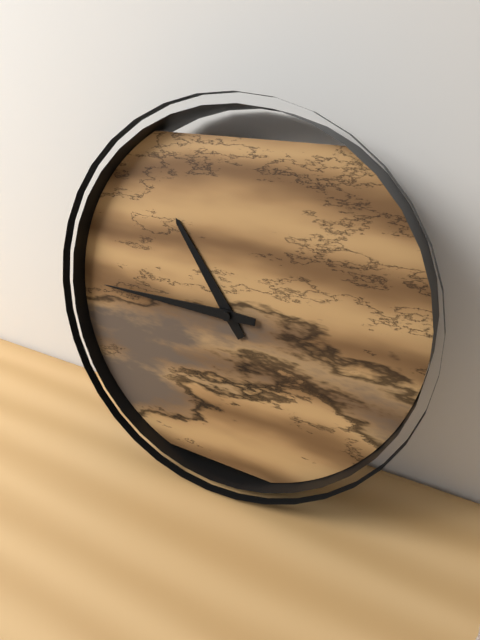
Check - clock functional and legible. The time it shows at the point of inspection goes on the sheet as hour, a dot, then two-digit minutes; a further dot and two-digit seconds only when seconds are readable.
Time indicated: 10.45
